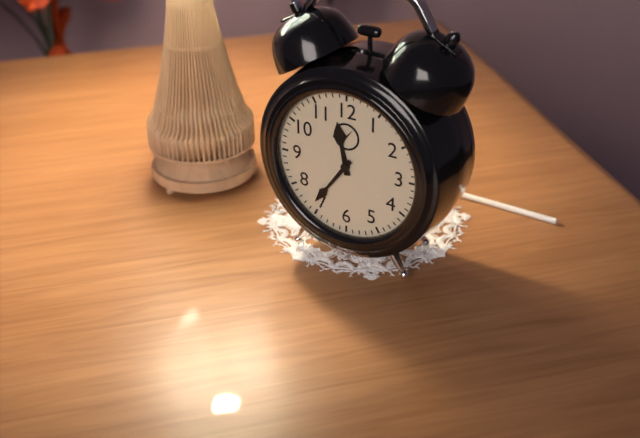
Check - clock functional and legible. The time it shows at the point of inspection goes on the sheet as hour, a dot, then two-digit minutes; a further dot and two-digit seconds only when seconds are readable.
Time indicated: 11.36
